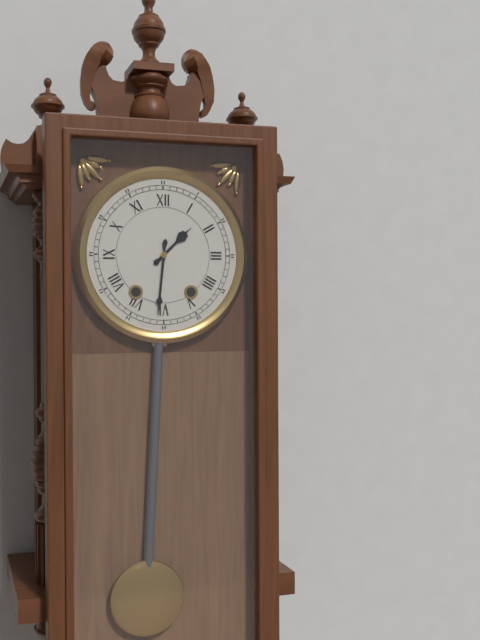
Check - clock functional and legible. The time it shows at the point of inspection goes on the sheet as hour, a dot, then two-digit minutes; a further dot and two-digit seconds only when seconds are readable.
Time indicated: 1.31
